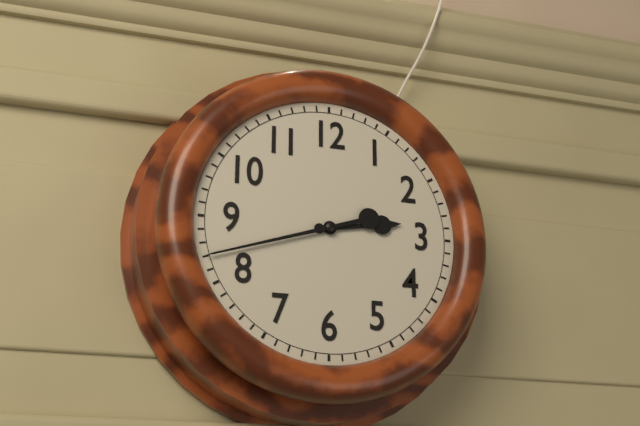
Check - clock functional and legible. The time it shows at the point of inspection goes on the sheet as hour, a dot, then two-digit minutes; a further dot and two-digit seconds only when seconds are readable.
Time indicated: 2.42
